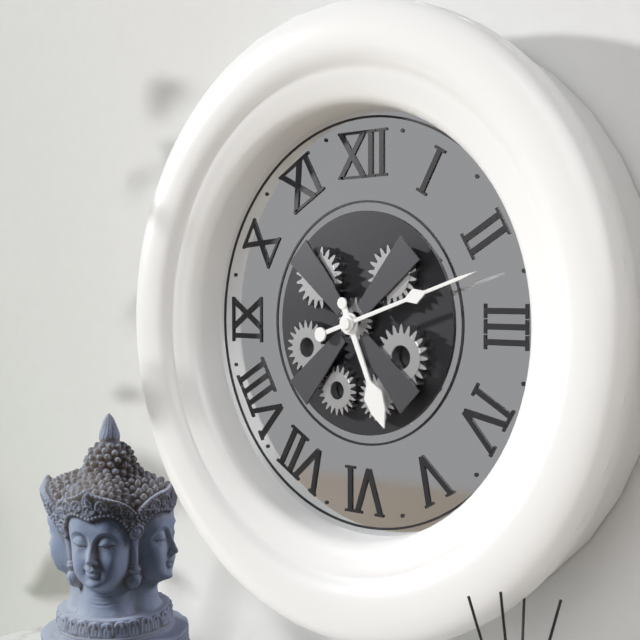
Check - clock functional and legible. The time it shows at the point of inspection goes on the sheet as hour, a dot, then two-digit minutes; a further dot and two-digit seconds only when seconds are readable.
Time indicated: 5.12
